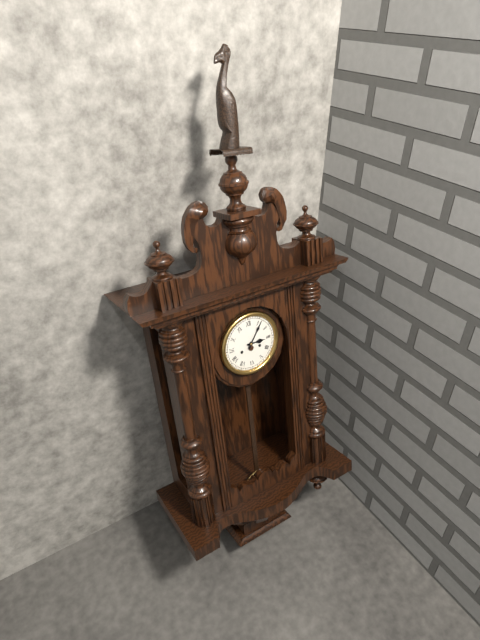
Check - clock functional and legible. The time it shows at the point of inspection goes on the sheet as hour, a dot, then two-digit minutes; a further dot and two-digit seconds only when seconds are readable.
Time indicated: 3.06
